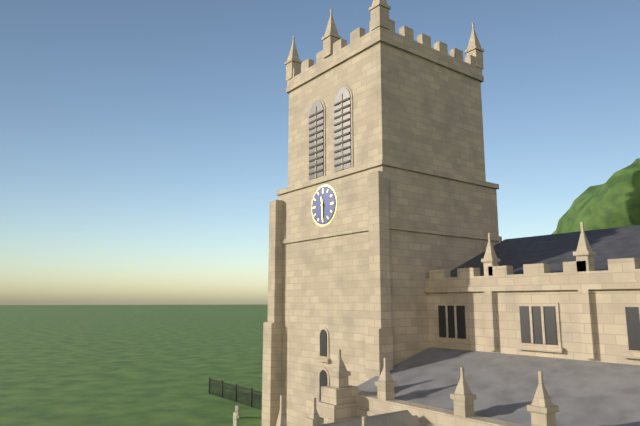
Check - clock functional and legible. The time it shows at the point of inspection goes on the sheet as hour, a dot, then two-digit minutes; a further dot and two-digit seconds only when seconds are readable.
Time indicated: 11.30
